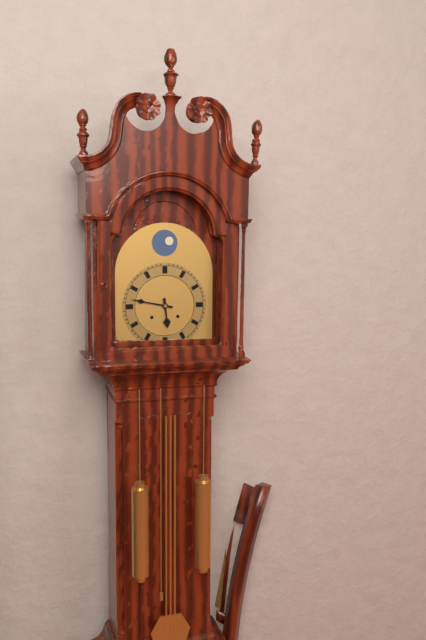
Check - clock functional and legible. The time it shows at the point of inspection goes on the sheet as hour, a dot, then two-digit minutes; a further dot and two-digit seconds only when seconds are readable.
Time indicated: 5.47
